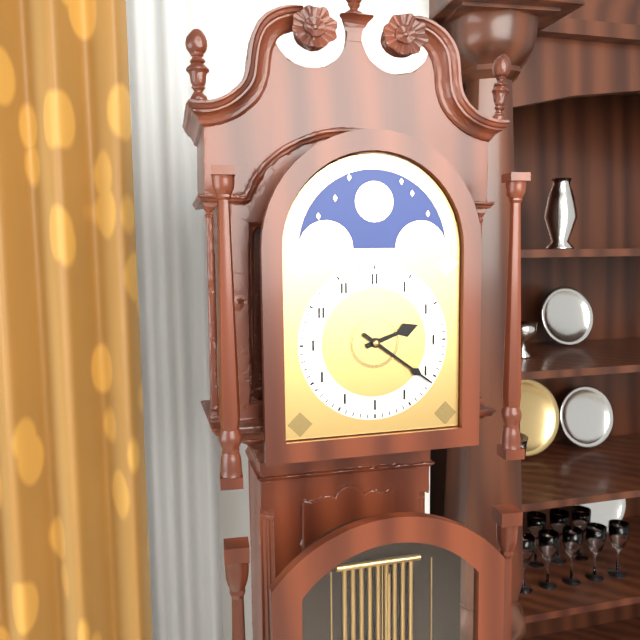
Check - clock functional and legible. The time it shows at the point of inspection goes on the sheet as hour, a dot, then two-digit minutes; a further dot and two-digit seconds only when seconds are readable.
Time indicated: 2.21
